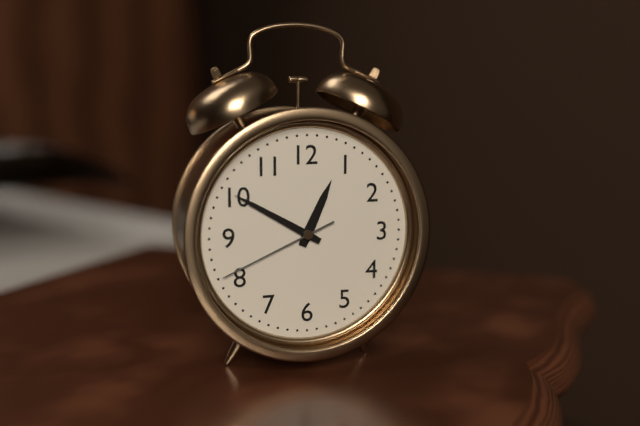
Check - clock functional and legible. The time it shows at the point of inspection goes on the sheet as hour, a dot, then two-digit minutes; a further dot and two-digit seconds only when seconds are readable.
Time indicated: 12.50.41
